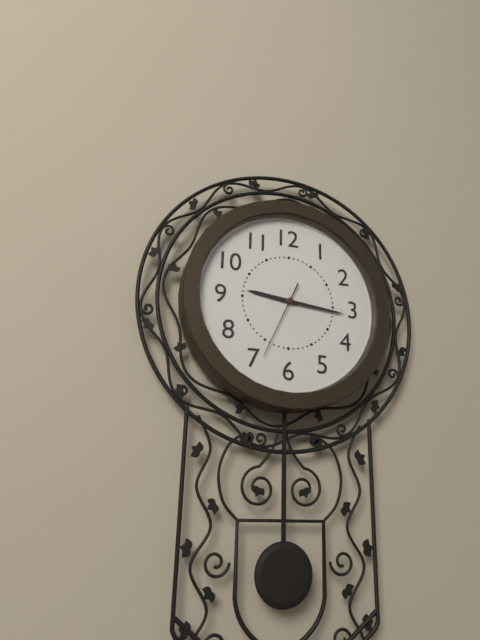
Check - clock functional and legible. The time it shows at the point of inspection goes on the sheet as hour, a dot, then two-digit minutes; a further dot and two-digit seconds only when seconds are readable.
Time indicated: 9.16.34
